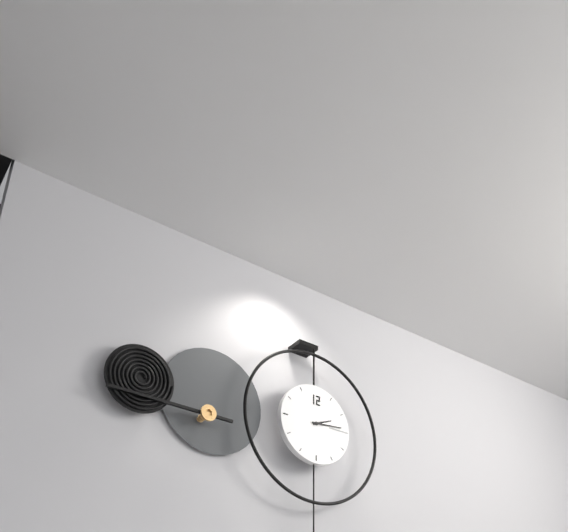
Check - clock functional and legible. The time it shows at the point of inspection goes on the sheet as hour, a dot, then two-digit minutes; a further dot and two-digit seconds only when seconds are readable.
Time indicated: 2.14
